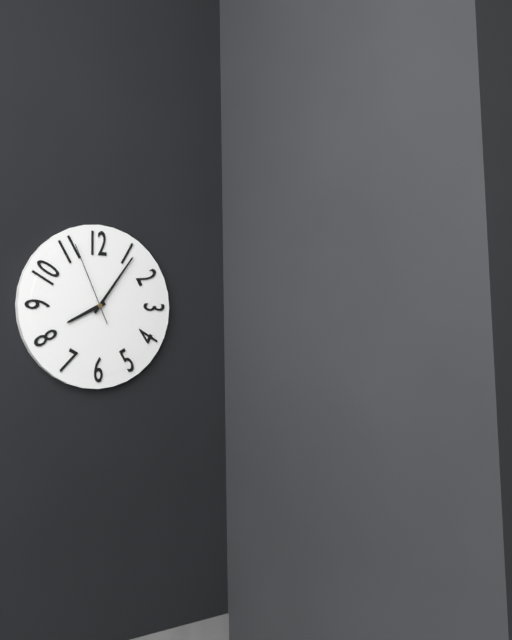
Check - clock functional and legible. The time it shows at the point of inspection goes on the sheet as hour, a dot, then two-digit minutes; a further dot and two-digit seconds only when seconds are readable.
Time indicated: 8.06.56
